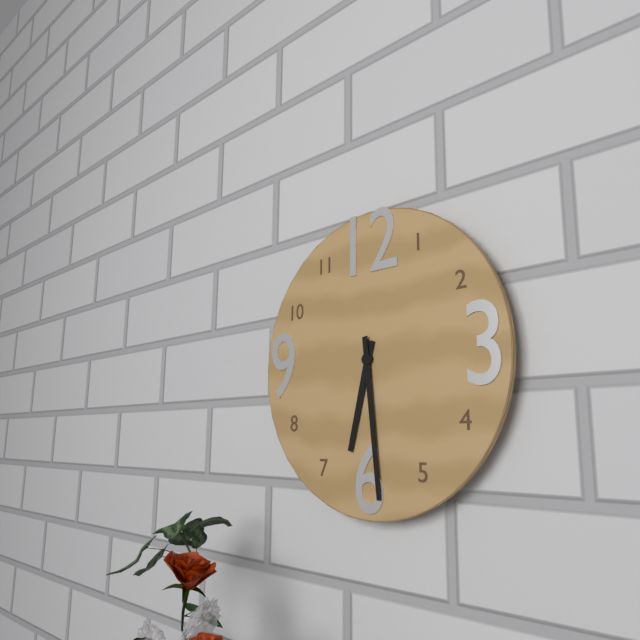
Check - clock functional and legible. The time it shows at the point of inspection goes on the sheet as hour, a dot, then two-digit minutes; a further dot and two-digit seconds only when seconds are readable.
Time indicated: 6.29
